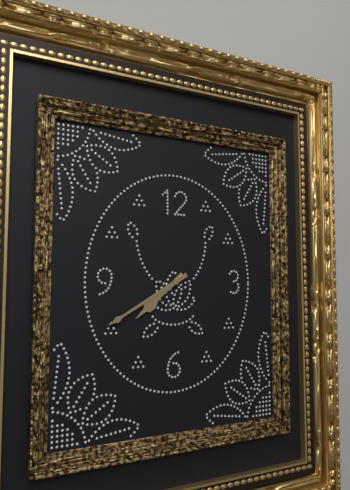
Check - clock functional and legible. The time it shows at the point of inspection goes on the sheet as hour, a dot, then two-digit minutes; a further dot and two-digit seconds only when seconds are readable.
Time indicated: 7.40
